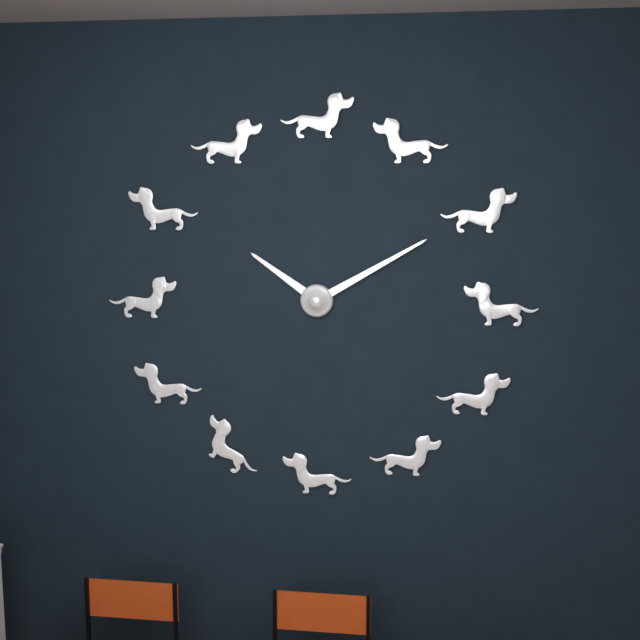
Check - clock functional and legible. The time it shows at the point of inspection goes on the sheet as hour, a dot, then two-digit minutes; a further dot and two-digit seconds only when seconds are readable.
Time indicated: 10.10
